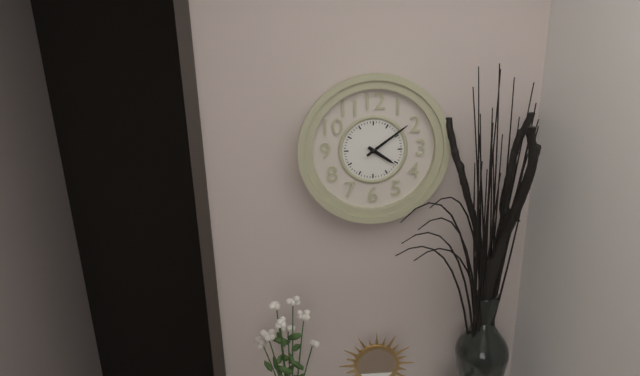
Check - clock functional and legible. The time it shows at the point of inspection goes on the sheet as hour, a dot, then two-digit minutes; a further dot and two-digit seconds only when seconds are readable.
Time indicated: 4.09
